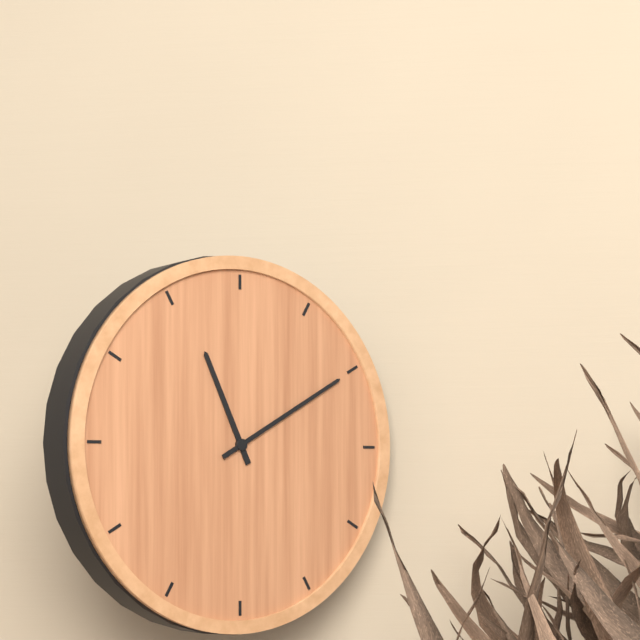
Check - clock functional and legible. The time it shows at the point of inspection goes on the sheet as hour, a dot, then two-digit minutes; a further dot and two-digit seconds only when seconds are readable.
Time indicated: 11.10
